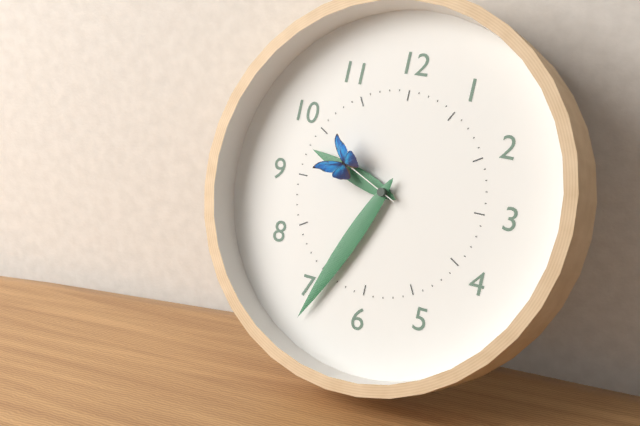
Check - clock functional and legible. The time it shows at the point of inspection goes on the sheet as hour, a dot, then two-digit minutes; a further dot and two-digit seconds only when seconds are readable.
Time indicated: 9.34.49
